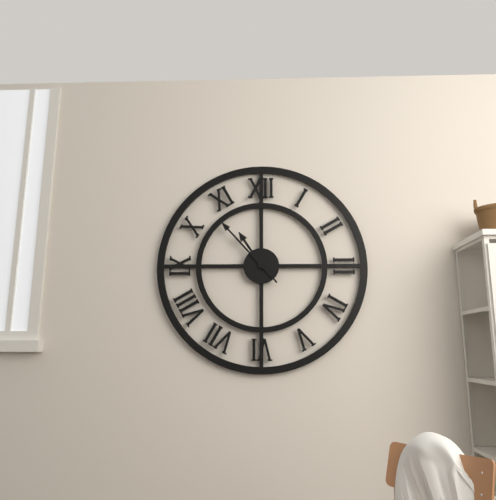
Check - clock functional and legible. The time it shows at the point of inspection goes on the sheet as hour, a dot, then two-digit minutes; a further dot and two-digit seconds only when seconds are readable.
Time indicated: 10.53
